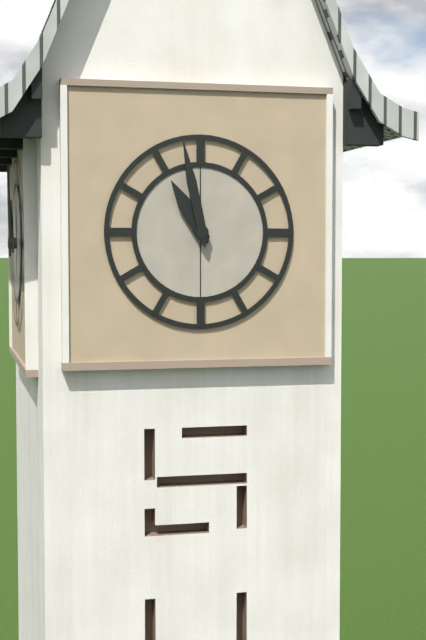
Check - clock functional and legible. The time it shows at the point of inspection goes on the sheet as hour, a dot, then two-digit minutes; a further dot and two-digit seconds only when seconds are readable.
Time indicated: 10.58
